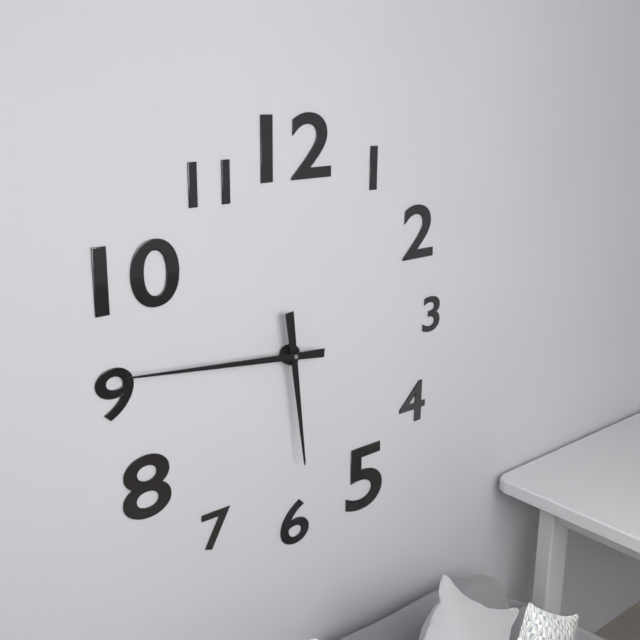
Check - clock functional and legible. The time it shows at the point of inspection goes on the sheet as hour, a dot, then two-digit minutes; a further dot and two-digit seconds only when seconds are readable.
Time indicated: 5.46
